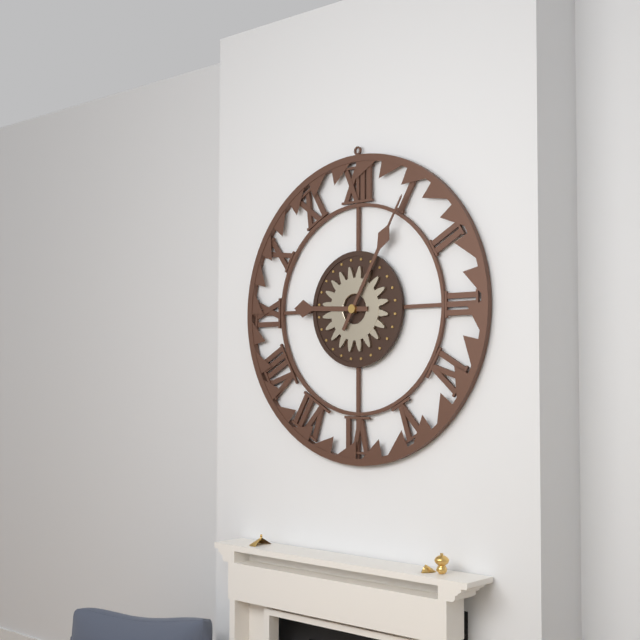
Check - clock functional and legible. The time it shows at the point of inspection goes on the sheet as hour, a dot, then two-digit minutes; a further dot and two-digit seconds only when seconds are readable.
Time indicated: 9.05
